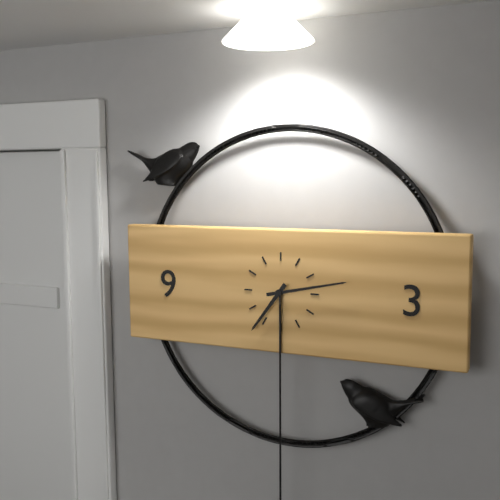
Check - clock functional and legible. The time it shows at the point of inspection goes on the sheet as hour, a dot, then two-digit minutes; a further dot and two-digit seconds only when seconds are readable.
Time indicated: 7.13
